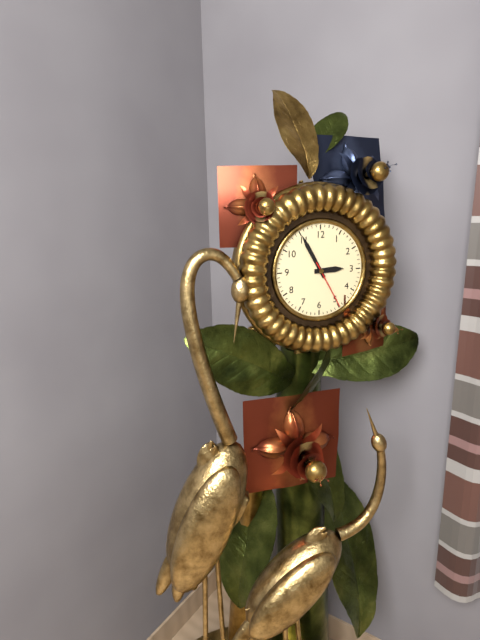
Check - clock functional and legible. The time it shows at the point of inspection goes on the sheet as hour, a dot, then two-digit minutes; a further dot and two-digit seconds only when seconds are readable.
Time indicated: 2.55.25
